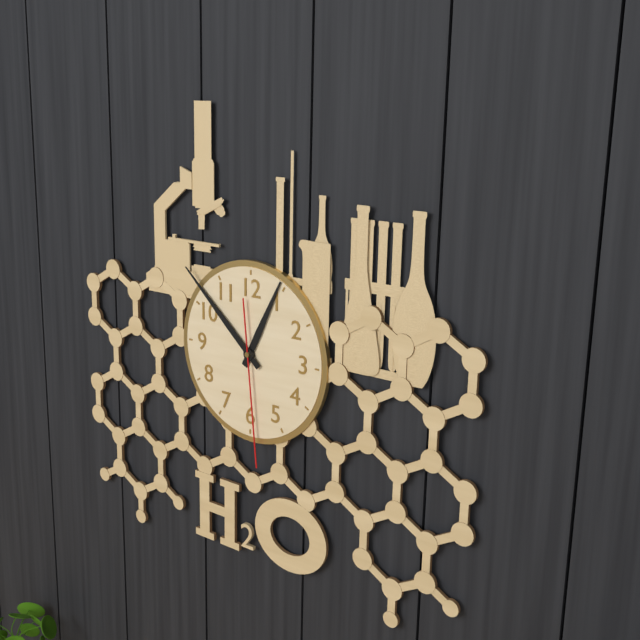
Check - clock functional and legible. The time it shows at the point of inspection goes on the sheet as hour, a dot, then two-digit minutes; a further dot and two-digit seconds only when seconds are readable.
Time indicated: 12.52.29
